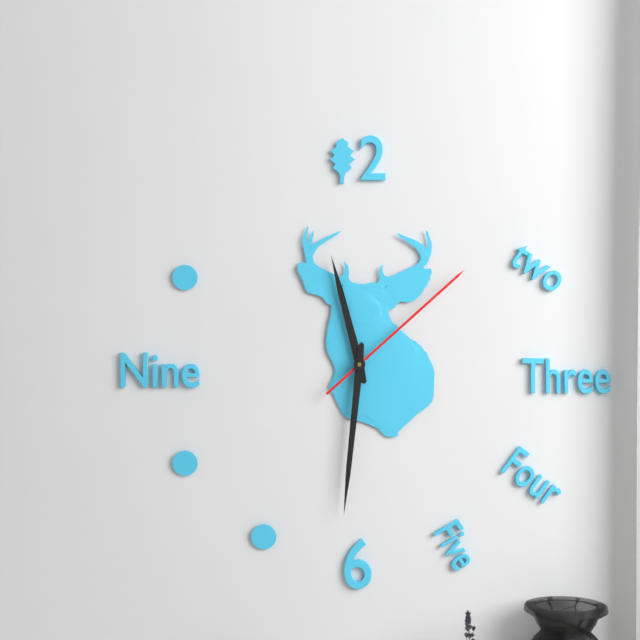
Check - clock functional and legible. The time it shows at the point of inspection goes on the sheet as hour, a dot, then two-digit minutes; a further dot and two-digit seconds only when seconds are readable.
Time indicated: 11.31.08
